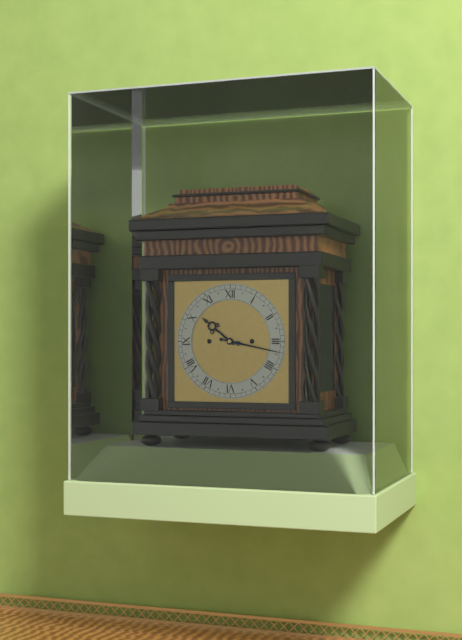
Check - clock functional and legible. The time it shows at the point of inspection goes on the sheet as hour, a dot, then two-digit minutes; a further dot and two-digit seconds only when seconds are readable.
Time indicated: 10.17
